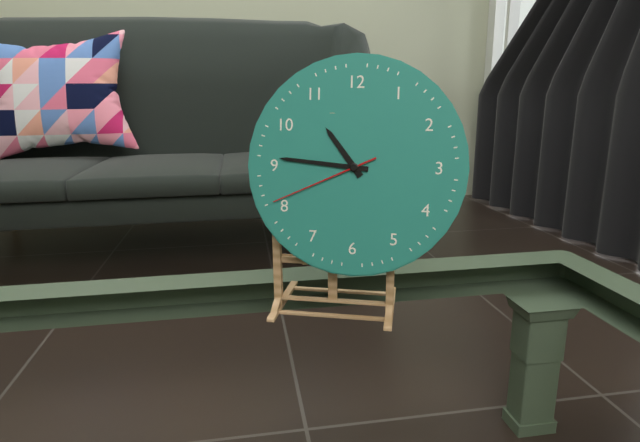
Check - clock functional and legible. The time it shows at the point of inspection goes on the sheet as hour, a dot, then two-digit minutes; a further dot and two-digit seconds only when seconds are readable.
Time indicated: 10.46.41
